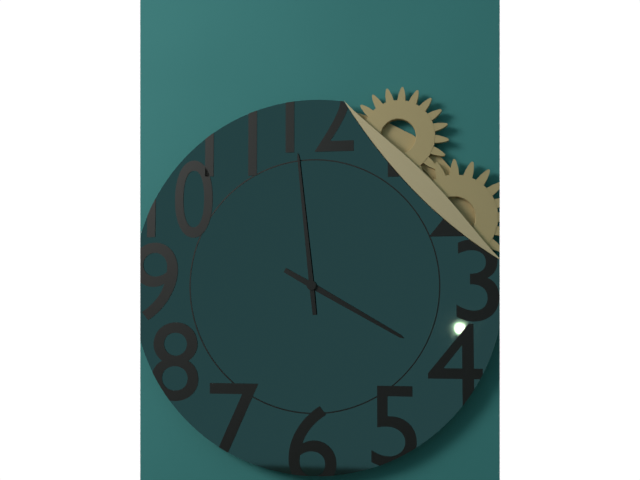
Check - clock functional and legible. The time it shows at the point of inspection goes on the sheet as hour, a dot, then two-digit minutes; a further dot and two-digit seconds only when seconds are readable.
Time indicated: 3.59
